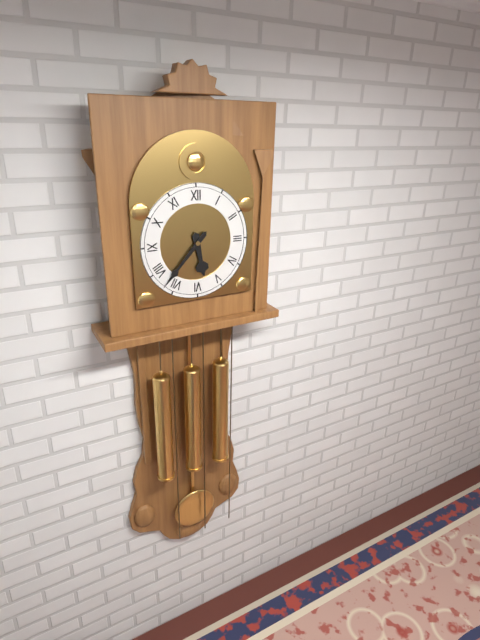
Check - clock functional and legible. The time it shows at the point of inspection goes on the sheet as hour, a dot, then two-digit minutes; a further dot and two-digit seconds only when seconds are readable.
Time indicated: 5.37
